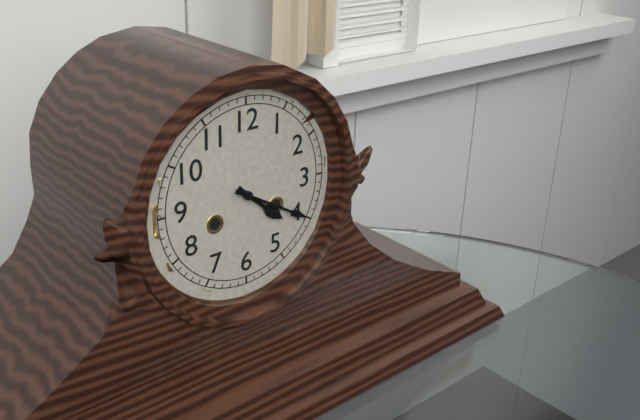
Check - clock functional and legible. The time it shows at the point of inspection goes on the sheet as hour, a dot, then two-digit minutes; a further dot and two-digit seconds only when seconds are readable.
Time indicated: 4.20
